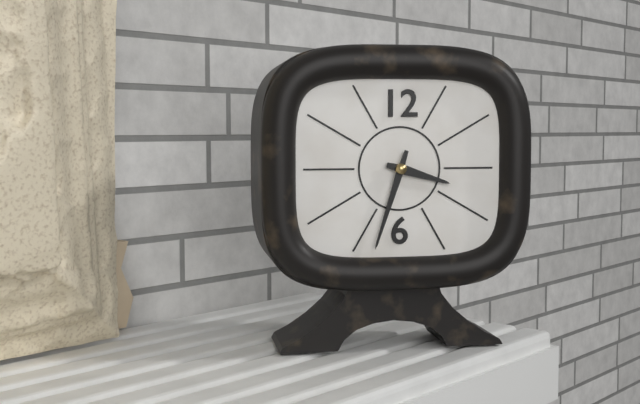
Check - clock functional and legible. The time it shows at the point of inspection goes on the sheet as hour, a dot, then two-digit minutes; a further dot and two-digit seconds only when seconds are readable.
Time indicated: 3.33
